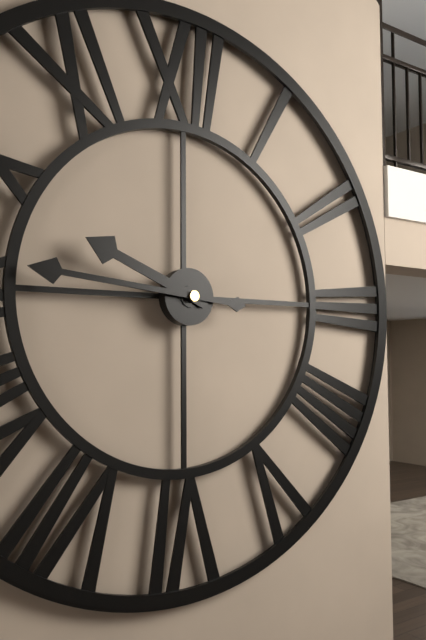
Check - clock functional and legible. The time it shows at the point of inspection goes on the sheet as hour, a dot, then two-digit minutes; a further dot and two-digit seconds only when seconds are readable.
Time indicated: 9.46
